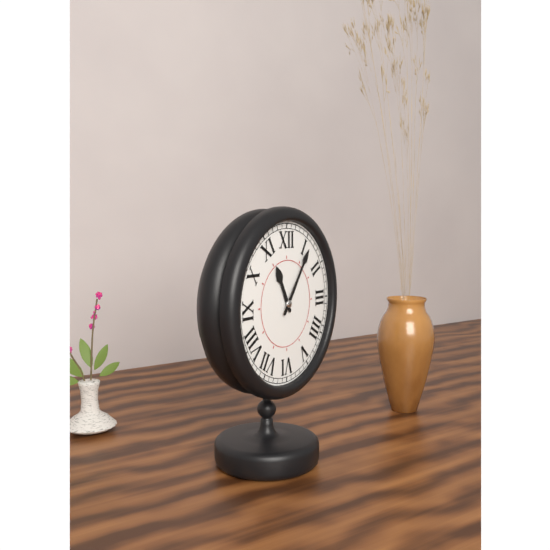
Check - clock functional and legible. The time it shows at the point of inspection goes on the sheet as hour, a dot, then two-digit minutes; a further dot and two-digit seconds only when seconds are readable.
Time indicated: 11.06
